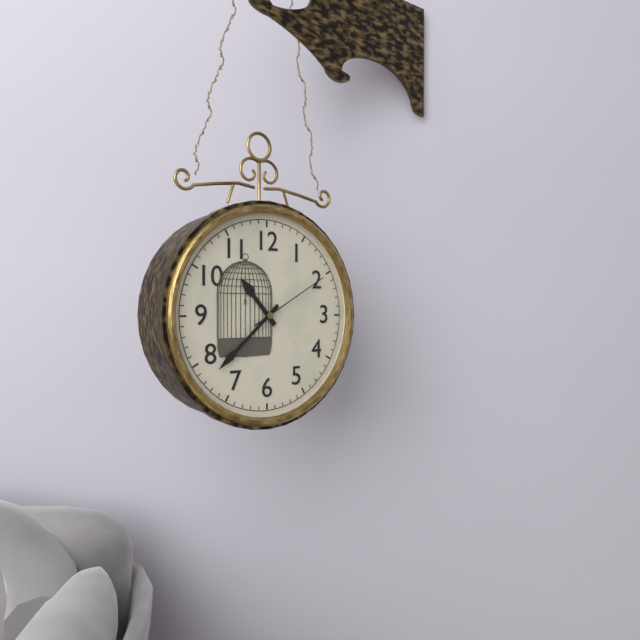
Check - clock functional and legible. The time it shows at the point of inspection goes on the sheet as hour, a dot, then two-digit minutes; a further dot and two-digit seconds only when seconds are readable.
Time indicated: 10.38.10
